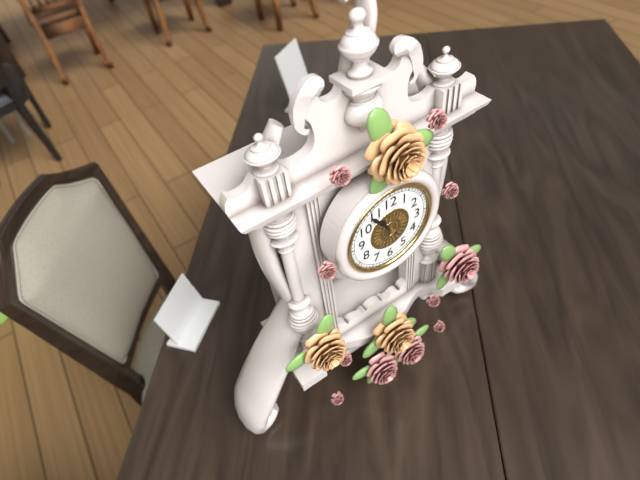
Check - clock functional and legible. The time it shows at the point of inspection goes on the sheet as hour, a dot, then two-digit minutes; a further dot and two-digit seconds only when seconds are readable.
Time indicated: 10.54
